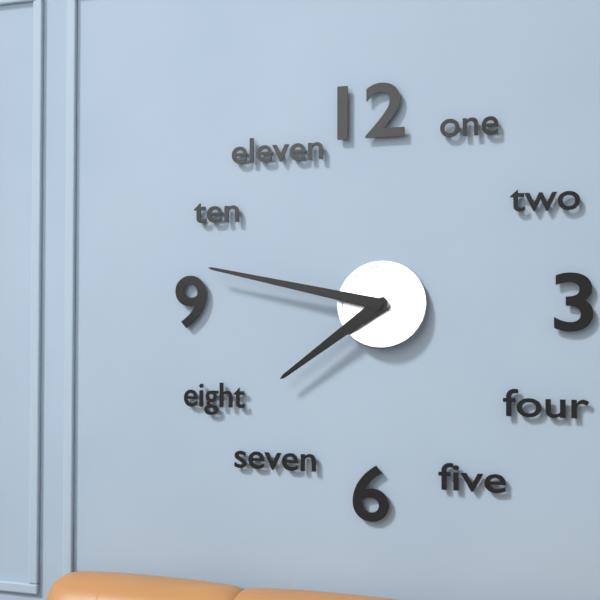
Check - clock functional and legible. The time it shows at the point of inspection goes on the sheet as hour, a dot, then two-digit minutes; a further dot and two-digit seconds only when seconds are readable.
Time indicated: 7.47
